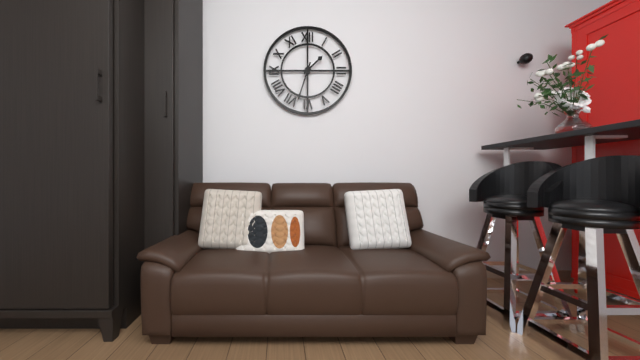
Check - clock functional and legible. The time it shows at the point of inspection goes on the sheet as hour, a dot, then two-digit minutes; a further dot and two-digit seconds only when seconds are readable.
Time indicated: 1.33
